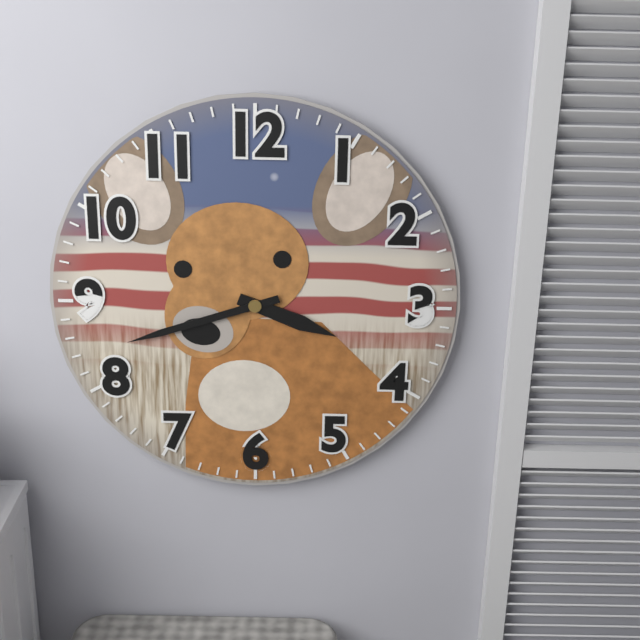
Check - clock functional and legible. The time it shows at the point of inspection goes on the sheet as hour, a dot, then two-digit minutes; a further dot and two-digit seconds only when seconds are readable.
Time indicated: 3.42
